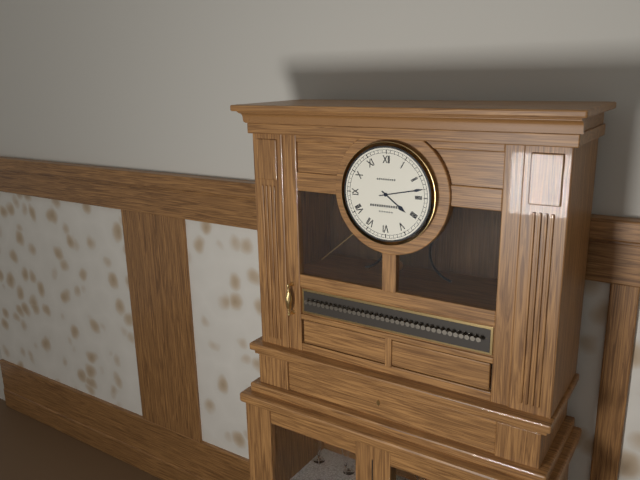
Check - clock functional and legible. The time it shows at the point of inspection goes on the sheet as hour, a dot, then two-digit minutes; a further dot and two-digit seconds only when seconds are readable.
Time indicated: 4.13
